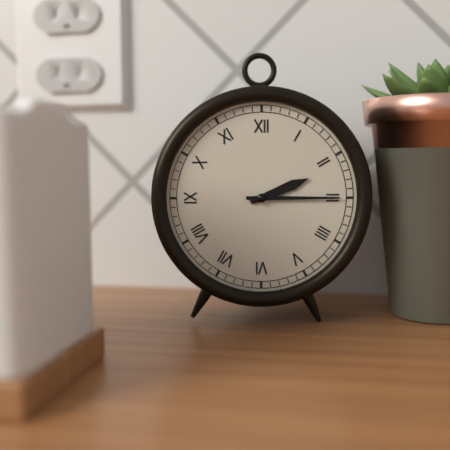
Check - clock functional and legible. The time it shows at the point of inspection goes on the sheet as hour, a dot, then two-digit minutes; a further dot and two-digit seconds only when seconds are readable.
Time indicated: 2.15
